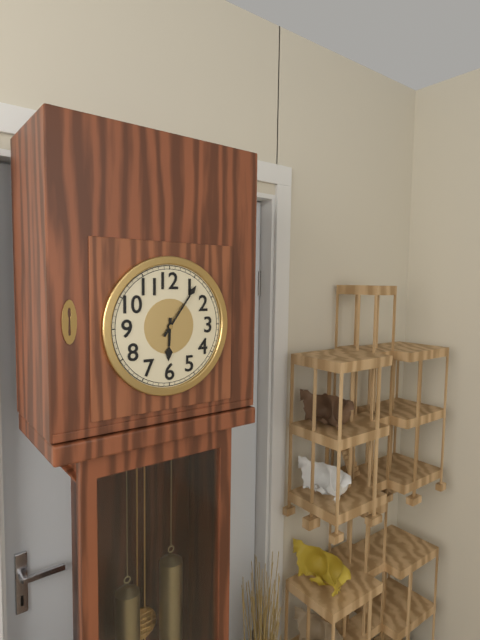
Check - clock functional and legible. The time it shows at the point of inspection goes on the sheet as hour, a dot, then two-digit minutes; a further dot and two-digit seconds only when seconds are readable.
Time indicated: 6.06
